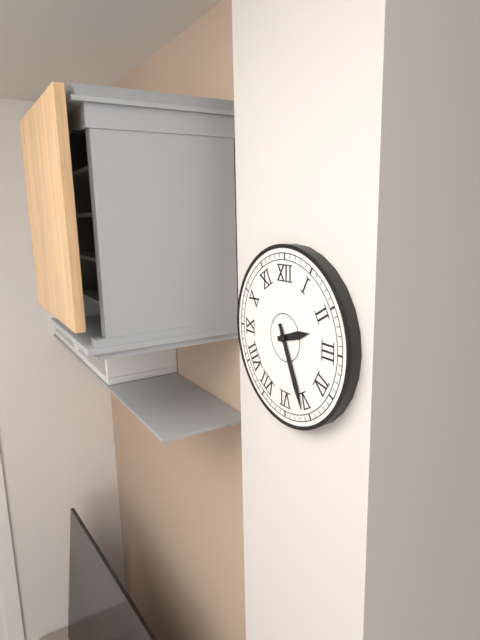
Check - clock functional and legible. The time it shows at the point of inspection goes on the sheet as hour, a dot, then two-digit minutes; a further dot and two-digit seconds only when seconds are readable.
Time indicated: 2.26
